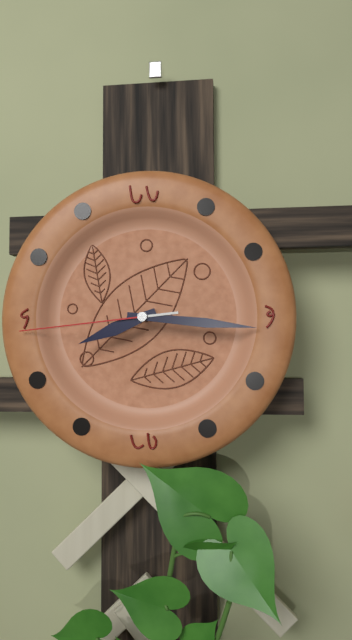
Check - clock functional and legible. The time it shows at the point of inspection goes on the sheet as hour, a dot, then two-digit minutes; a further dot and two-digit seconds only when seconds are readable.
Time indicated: 8.16.44
